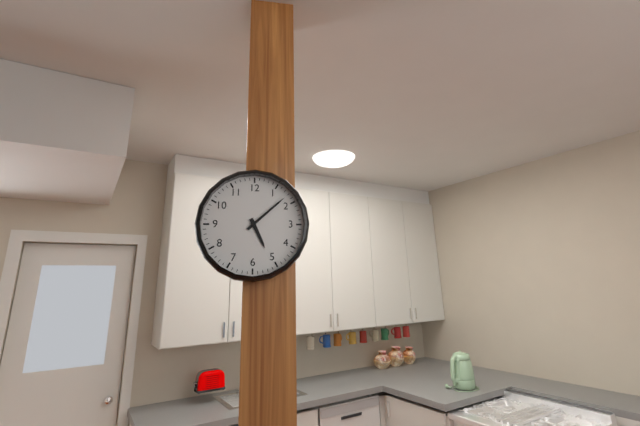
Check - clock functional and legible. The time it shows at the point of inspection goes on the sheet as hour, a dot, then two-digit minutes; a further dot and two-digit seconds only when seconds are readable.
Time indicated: 5.08
